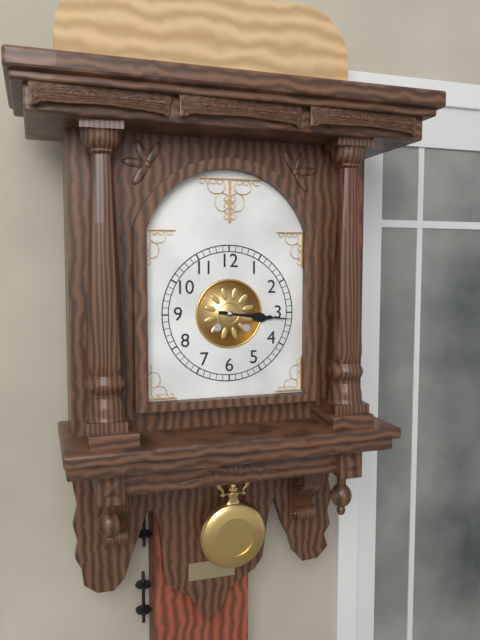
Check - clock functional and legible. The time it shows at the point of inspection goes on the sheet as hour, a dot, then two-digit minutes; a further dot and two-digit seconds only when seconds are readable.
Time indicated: 3.16
